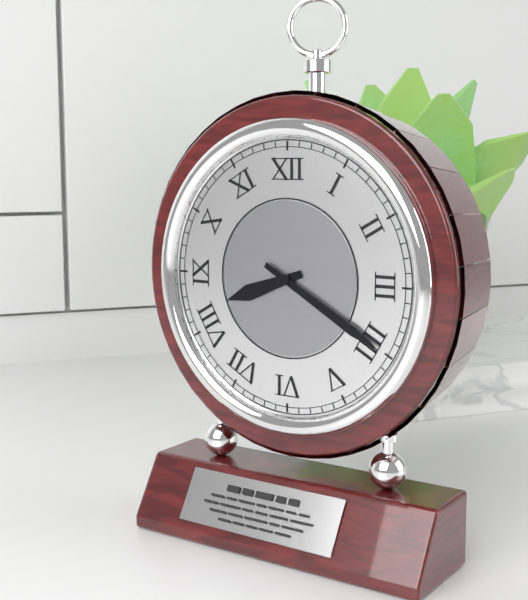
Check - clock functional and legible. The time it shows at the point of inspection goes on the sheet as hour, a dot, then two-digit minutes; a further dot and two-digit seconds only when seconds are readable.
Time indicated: 8.20
